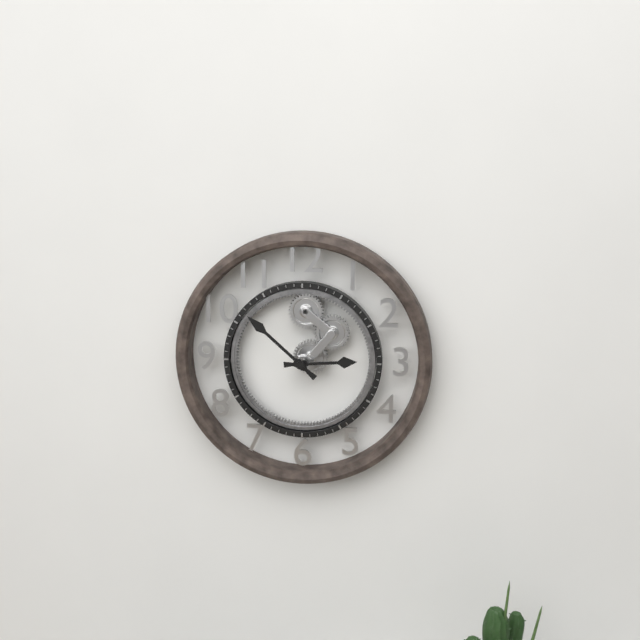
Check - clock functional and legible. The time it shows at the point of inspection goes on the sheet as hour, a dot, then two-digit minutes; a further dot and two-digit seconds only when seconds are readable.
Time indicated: 2.52
